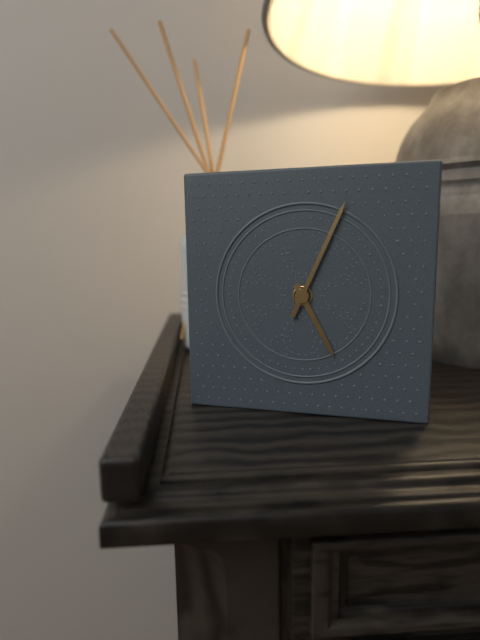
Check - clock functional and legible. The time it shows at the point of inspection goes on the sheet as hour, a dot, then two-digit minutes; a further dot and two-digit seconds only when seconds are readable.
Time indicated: 5.04
